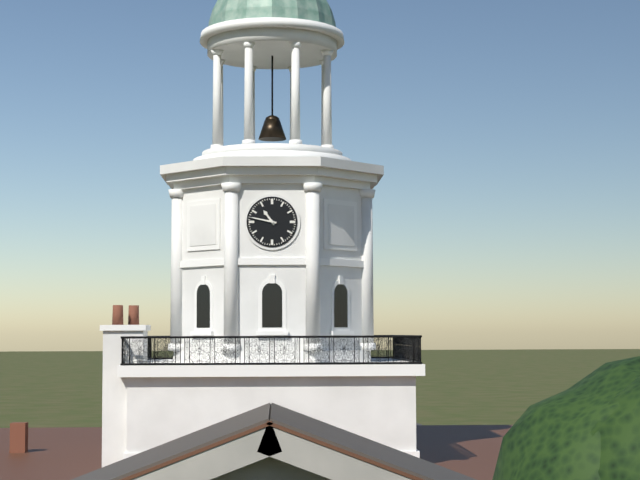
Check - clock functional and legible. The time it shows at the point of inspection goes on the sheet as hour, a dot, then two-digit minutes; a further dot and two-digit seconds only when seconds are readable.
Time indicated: 10.47
